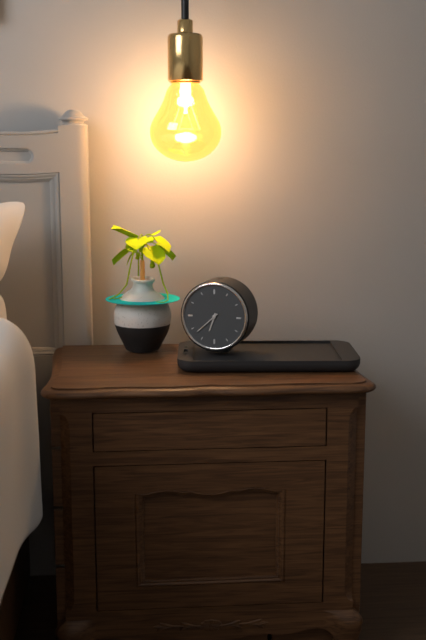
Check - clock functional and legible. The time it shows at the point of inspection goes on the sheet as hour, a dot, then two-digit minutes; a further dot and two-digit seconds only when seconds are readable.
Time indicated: 6.38
